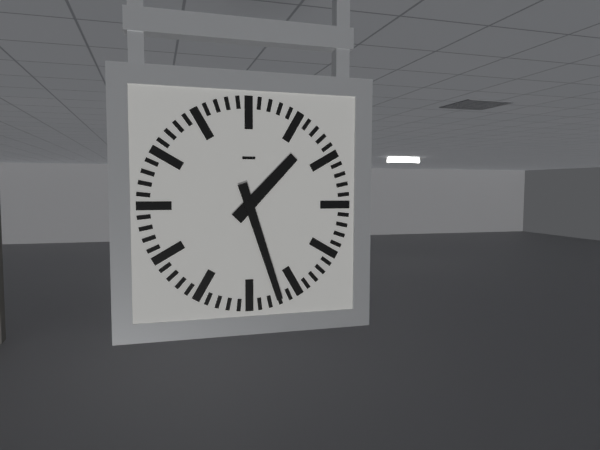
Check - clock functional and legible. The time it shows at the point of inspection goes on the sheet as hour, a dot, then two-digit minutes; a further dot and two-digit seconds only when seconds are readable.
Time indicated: 1.27
